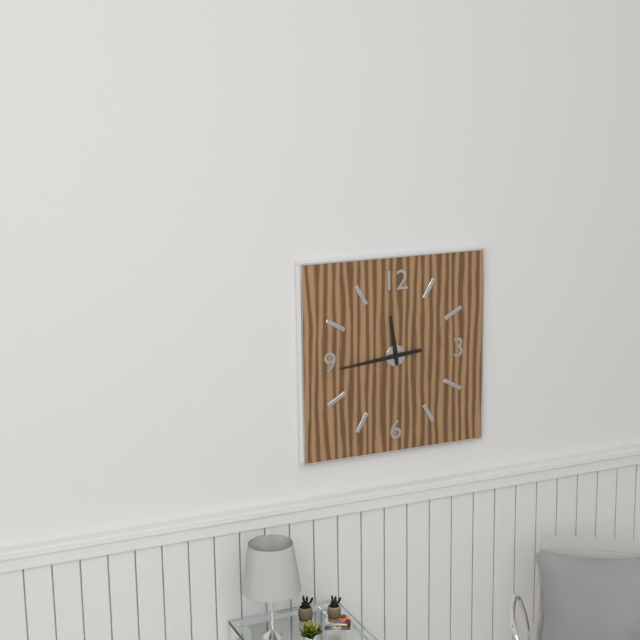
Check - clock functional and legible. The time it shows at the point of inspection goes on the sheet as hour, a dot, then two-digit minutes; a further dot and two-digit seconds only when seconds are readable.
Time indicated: 11.44
